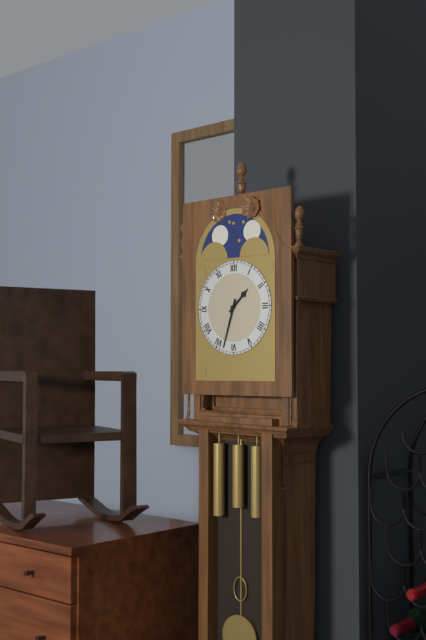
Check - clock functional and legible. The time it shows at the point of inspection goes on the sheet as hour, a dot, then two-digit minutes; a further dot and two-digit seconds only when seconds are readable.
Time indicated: 1.33
